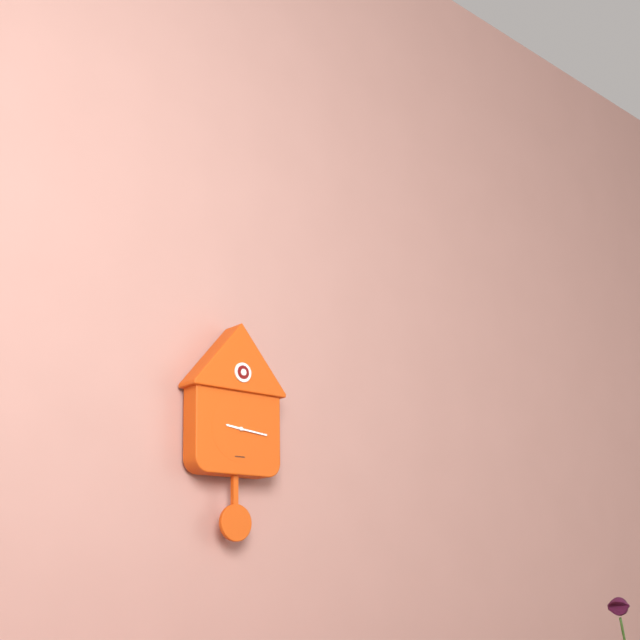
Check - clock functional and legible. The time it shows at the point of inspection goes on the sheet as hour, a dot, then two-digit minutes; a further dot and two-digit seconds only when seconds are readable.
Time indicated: 9.16
